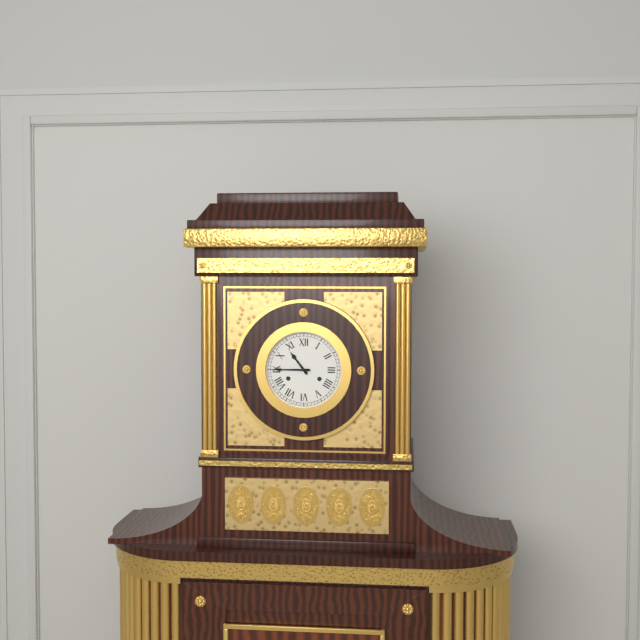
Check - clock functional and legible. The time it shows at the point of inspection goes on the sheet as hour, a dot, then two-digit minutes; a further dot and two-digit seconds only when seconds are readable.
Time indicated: 10.45
